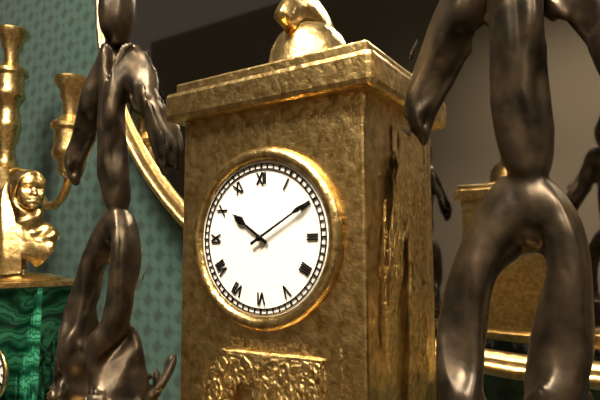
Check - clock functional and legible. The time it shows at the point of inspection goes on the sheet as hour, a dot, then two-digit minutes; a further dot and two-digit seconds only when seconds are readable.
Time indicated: 10.10
